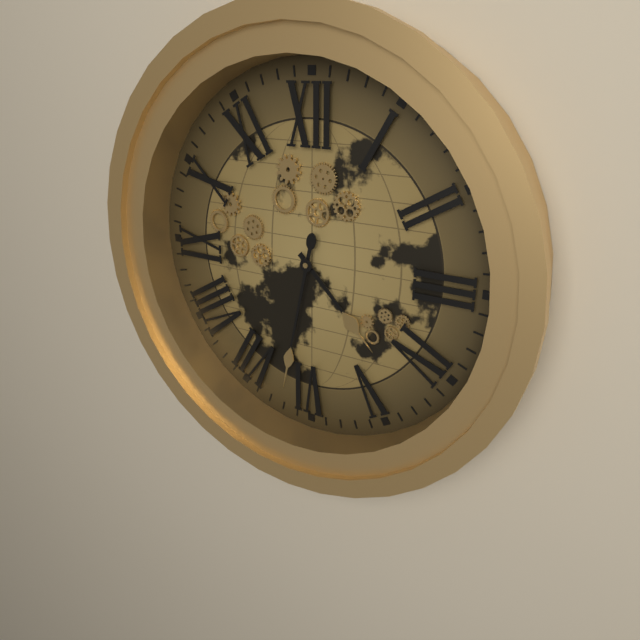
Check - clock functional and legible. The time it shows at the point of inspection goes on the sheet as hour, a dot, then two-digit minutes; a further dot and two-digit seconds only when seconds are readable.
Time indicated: 4.32
